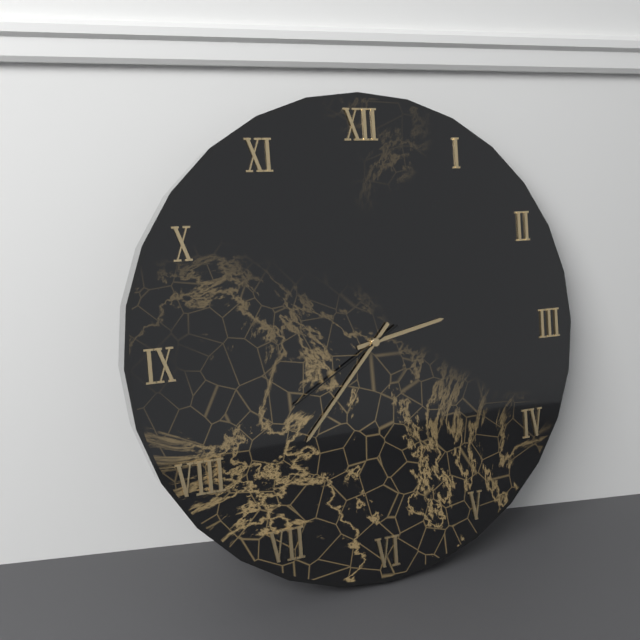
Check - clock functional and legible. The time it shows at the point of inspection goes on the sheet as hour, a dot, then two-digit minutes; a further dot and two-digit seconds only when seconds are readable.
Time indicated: 2.37.40
